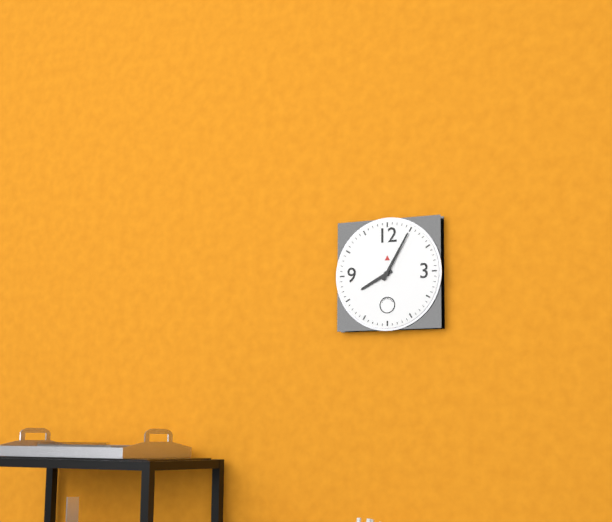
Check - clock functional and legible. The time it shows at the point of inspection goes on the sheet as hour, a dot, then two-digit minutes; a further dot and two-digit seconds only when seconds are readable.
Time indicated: 8.05
